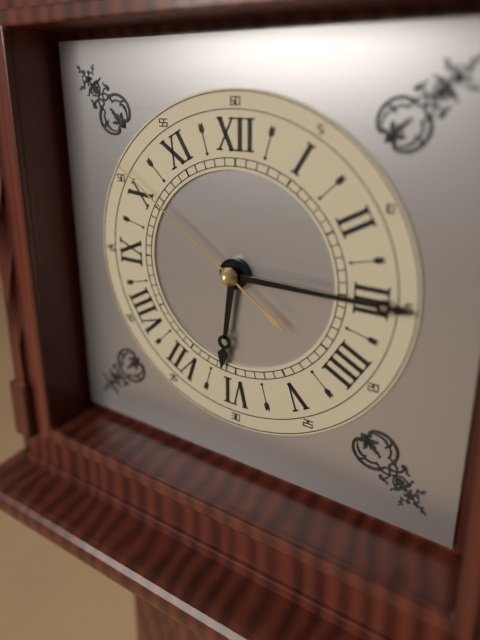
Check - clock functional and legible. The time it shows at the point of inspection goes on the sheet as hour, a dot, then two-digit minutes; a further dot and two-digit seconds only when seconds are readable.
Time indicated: 6.15.51
